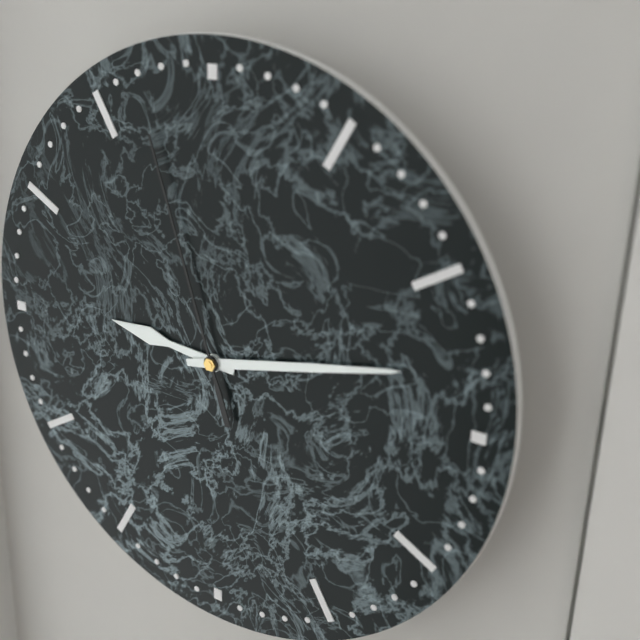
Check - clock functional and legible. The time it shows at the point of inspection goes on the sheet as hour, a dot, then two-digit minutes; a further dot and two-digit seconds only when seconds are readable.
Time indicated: 9.13.57
